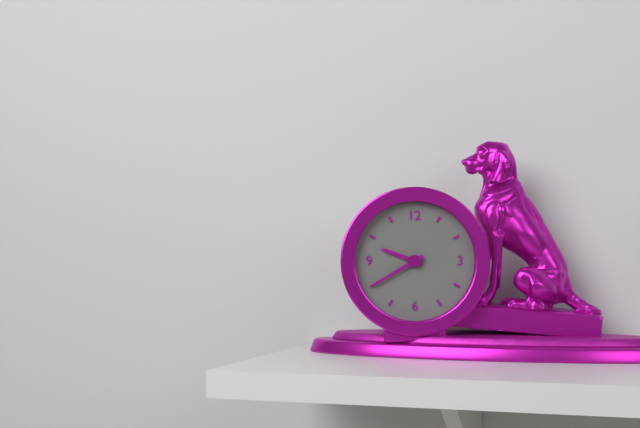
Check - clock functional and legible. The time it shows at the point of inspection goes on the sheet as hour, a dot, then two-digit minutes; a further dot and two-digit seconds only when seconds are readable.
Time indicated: 9.40
